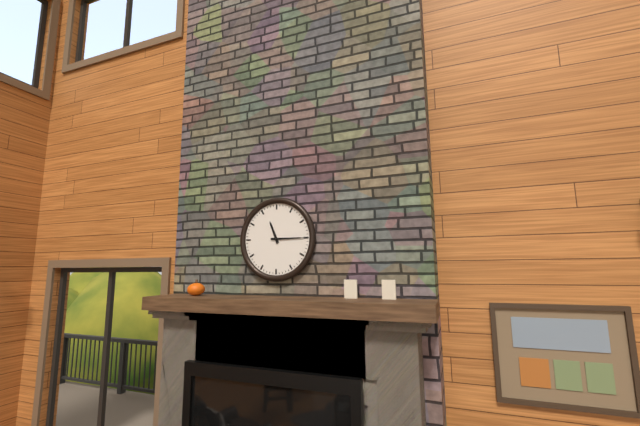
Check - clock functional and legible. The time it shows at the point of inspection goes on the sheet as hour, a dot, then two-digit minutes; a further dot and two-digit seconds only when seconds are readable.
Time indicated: 11.15
